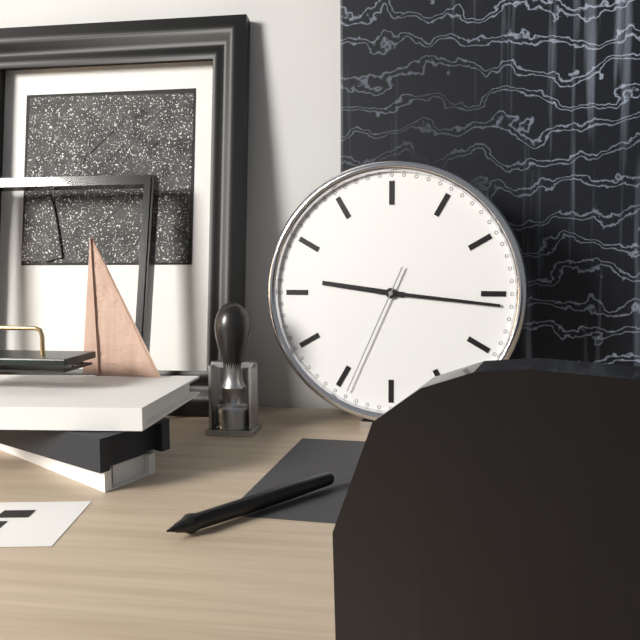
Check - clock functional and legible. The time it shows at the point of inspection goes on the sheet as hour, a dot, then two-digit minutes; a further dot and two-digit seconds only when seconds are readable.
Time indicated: 9.16.34
